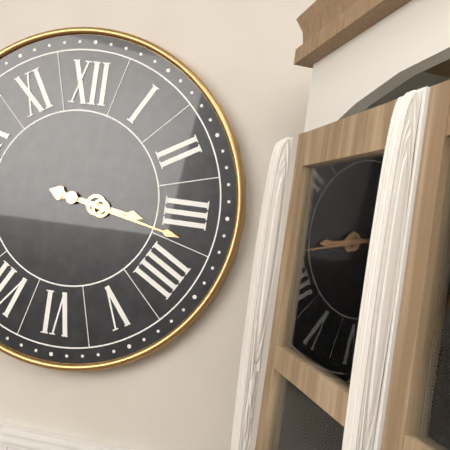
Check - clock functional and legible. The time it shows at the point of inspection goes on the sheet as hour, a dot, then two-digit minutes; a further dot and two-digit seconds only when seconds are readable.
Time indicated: 3.17
